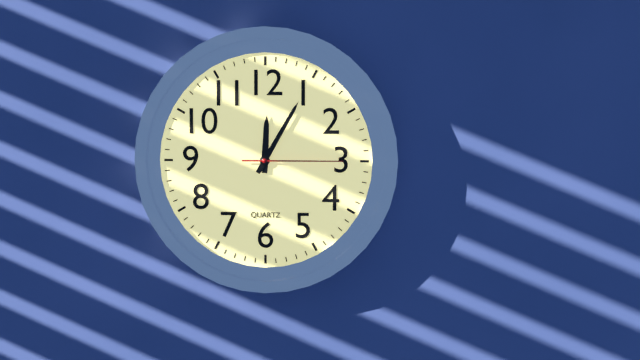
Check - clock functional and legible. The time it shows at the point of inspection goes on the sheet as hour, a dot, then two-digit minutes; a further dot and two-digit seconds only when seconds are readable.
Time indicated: 12.05.15
